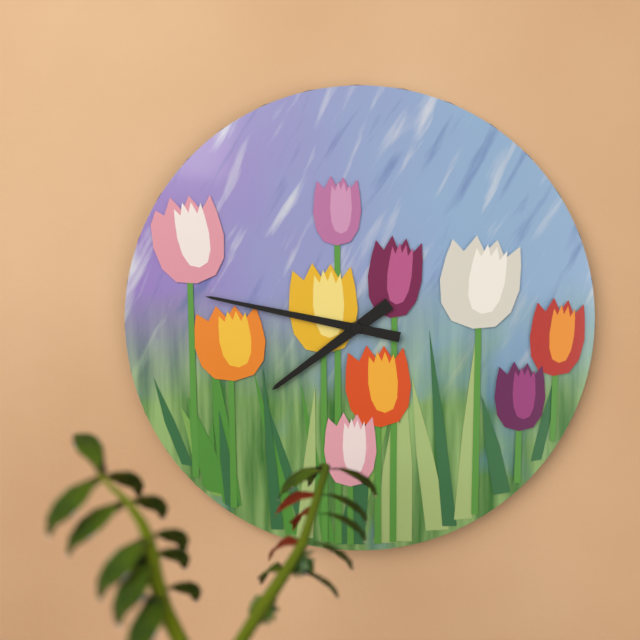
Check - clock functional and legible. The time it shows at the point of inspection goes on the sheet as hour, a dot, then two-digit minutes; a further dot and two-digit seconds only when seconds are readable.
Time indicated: 7.47
